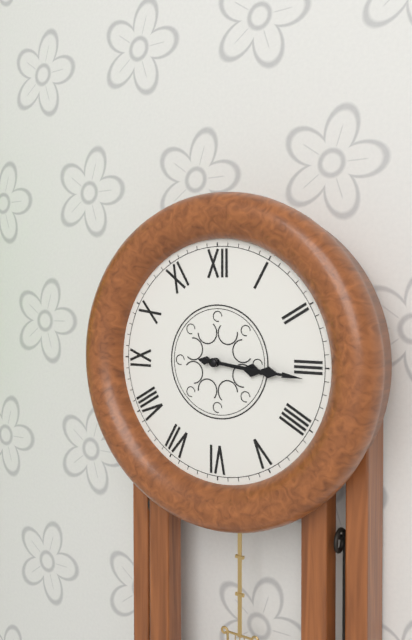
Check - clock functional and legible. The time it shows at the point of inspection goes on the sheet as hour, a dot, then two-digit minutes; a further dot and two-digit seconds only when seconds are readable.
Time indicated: 3.16
